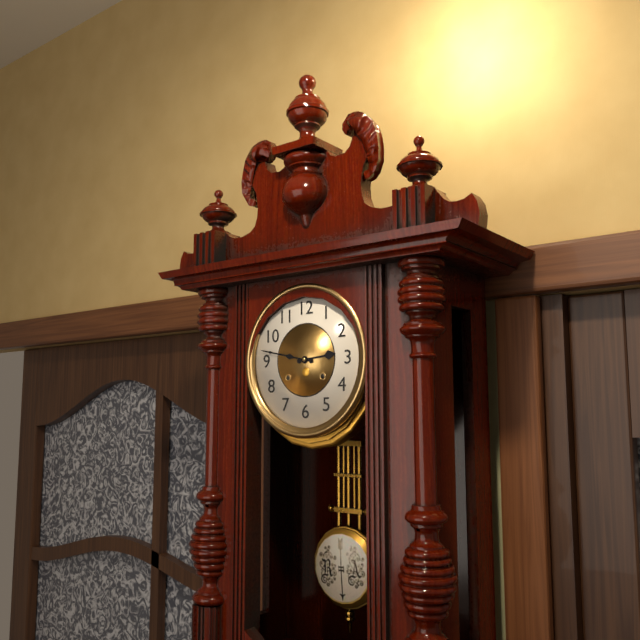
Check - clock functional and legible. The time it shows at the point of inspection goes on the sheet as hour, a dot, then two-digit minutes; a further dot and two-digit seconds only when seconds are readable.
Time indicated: 2.47
